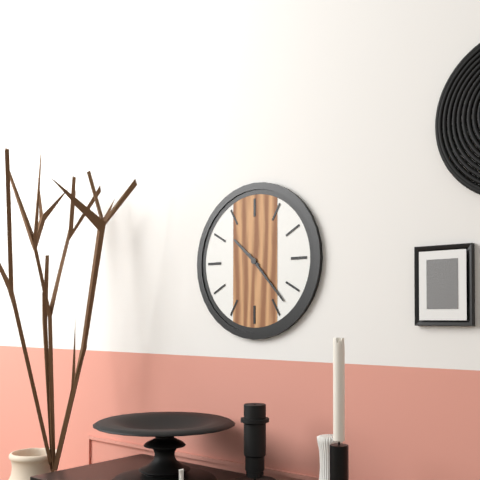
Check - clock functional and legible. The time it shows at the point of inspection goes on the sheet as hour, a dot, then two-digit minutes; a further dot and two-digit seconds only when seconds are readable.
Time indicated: 10.23
